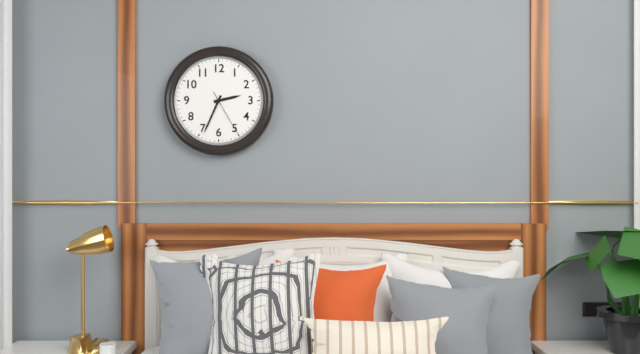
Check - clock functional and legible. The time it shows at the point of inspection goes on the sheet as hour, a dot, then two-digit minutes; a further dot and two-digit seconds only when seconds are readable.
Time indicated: 2.34
